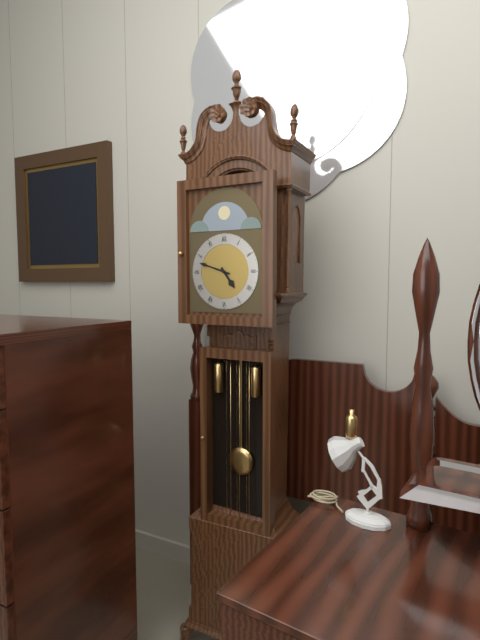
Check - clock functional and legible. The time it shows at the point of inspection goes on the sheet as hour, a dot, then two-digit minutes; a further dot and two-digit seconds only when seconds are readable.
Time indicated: 4.48
